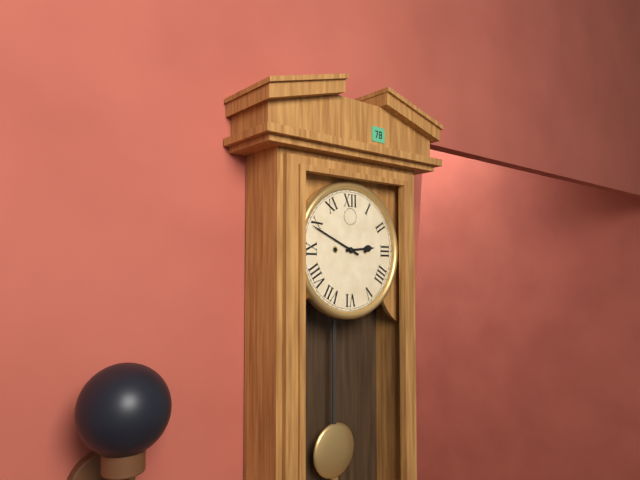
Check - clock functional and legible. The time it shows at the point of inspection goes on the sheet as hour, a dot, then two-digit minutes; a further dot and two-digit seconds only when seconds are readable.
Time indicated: 2.49
